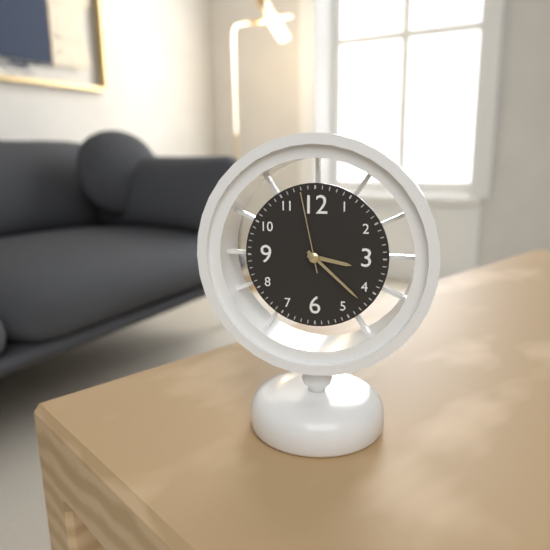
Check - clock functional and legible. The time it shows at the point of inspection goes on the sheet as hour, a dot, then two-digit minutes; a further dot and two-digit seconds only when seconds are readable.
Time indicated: 3.22.58
